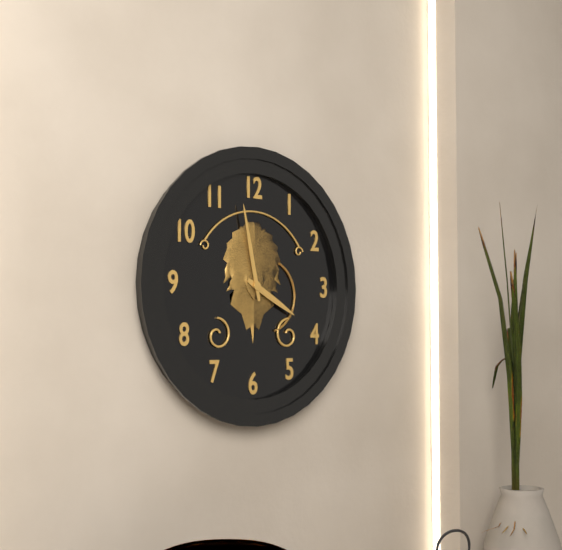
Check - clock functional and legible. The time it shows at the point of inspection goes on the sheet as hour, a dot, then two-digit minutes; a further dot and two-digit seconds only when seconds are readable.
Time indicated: 3.58
